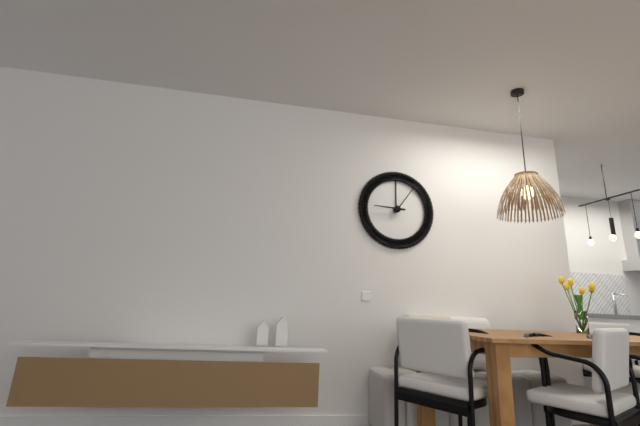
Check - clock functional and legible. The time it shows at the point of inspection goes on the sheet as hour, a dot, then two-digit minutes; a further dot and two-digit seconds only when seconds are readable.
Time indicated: 9.06
